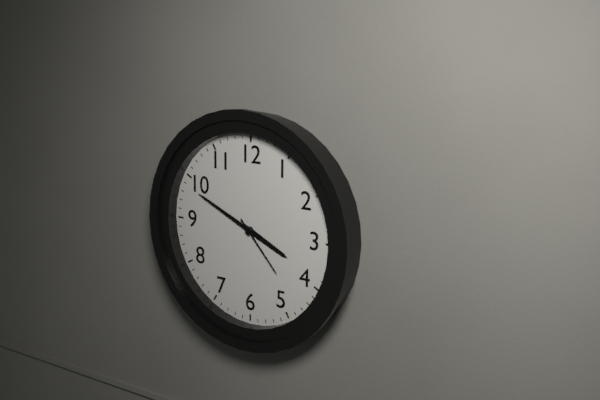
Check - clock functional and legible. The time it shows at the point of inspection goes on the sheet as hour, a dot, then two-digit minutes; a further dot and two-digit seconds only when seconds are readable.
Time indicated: 3.49.23
